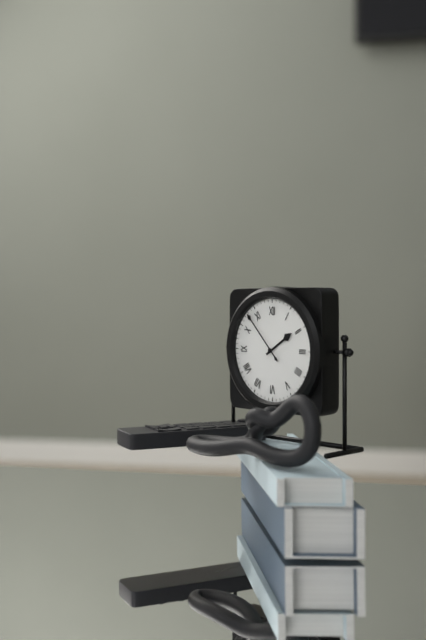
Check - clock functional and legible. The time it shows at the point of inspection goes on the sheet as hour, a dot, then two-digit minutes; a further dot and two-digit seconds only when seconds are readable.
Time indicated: 1.53
